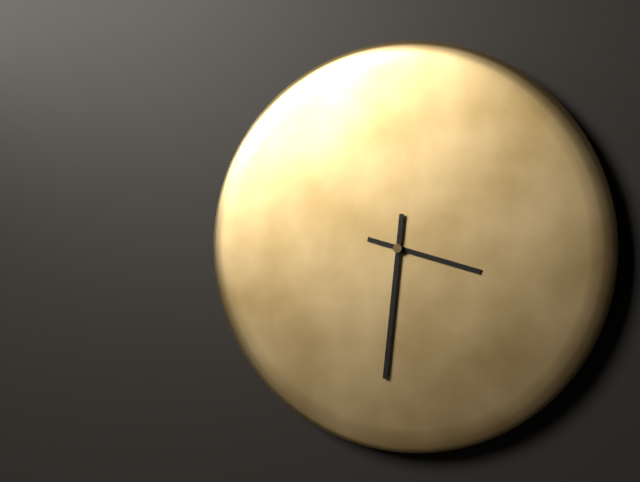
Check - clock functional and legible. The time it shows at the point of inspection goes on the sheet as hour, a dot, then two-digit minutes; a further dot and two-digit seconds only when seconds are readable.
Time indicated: 3.31
